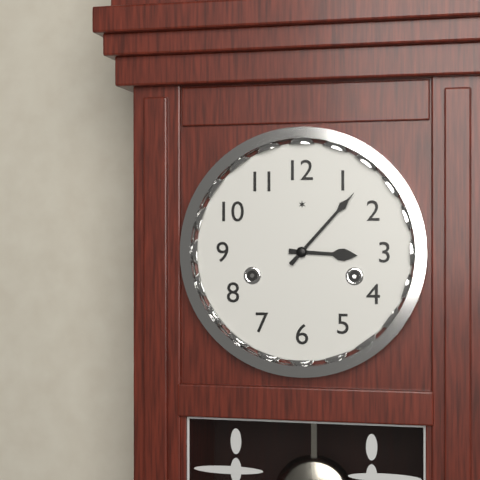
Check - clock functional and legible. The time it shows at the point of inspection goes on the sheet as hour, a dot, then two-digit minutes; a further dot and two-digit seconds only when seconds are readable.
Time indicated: 3.07
